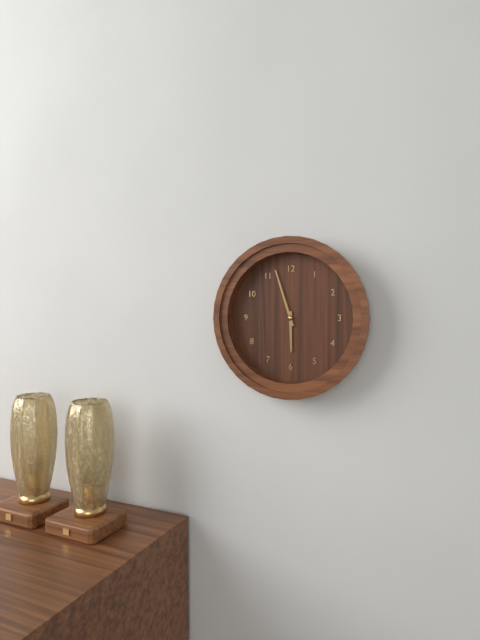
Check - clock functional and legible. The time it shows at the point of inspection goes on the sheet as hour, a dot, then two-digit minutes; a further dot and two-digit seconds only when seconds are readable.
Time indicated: 5.57
